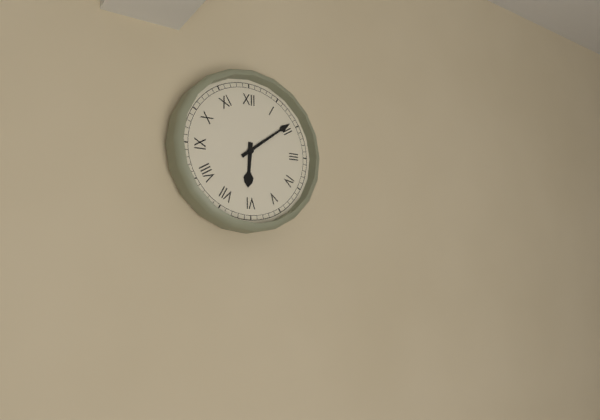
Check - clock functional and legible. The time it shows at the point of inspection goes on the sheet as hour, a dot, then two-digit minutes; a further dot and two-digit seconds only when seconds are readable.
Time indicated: 6.09
